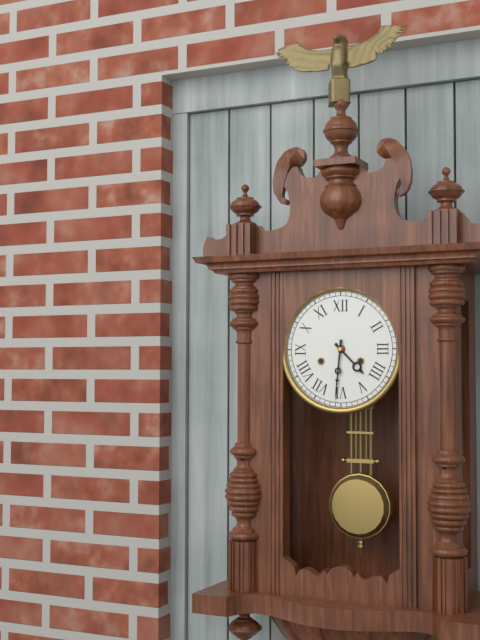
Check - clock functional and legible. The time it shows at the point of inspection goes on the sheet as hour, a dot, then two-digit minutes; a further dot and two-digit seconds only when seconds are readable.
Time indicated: 4.31
